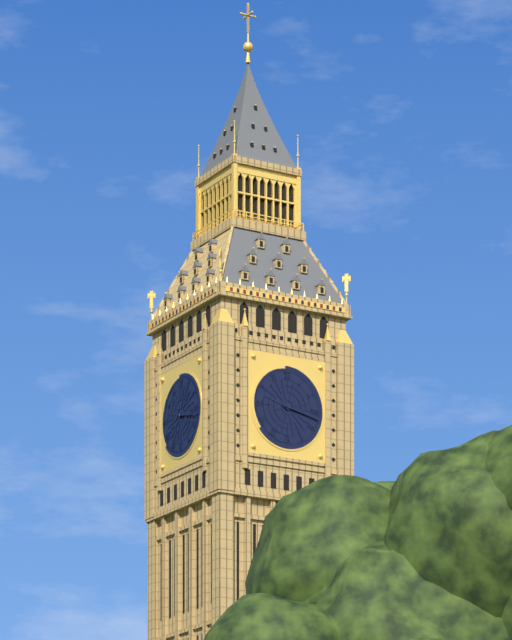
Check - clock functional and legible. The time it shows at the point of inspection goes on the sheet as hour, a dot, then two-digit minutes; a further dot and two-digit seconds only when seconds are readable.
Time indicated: 3.17
